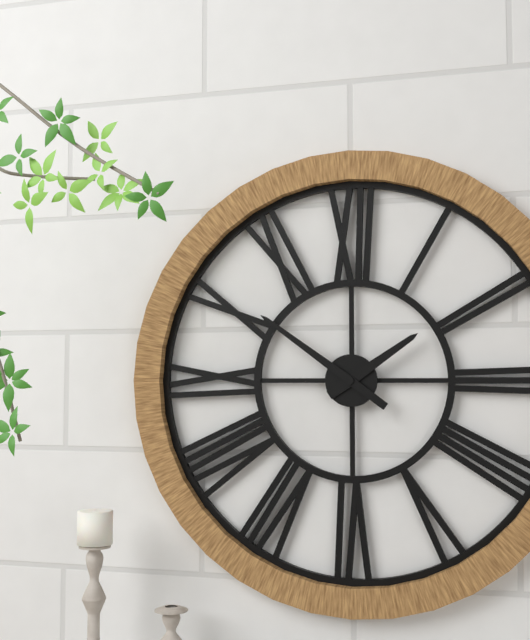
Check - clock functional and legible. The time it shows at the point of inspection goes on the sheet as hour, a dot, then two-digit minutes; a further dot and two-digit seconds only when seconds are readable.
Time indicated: 1.51
